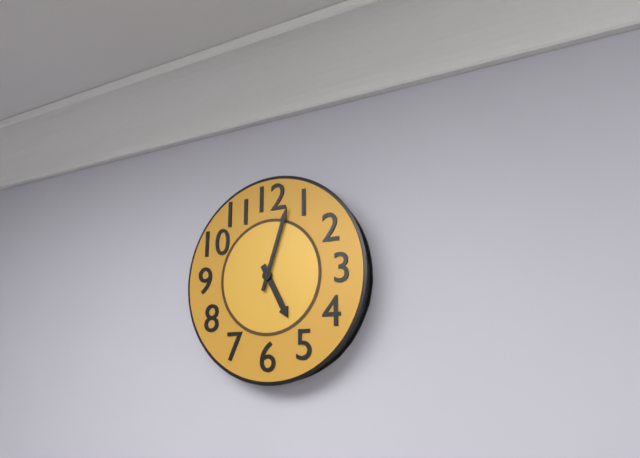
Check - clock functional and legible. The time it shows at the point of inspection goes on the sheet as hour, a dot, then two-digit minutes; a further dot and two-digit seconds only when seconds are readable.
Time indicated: 5.03
